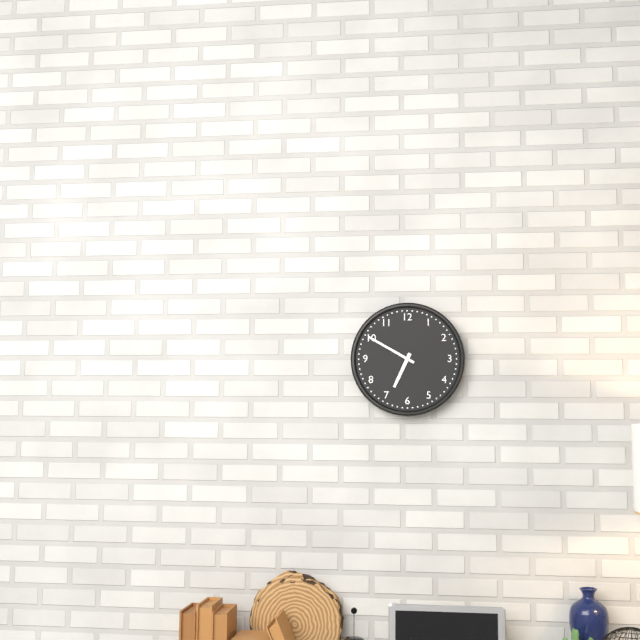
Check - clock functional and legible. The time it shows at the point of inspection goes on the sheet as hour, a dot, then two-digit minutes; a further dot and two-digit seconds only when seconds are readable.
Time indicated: 6.50
